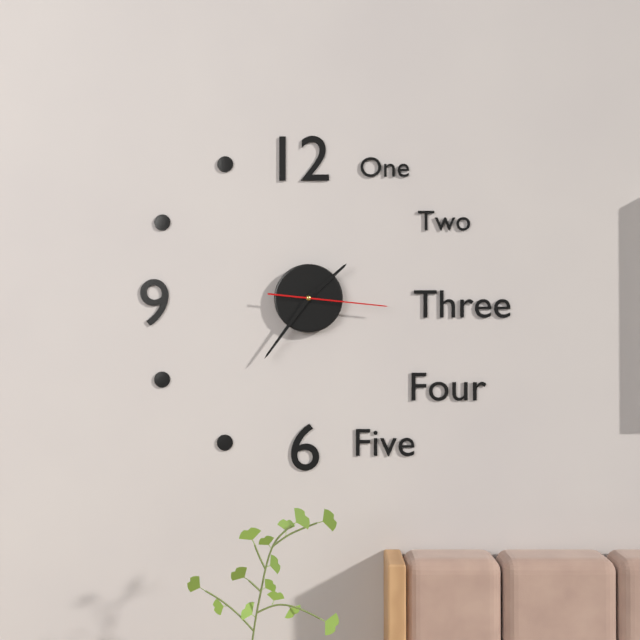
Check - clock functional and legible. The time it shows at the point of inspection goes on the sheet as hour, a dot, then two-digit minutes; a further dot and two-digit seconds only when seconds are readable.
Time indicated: 1.36.16
